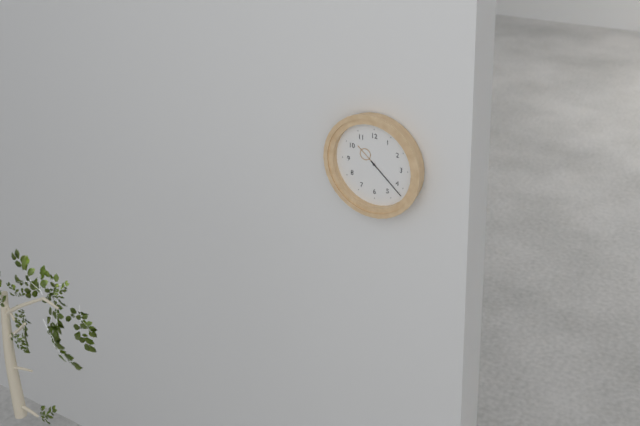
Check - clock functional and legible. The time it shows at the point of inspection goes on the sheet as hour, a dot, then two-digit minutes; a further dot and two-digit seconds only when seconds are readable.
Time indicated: 10.22
